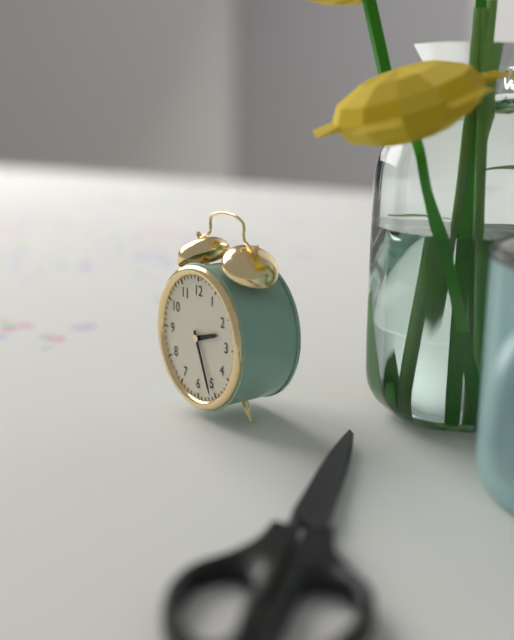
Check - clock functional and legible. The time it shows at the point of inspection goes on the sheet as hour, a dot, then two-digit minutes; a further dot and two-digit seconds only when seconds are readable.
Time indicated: 2.26
